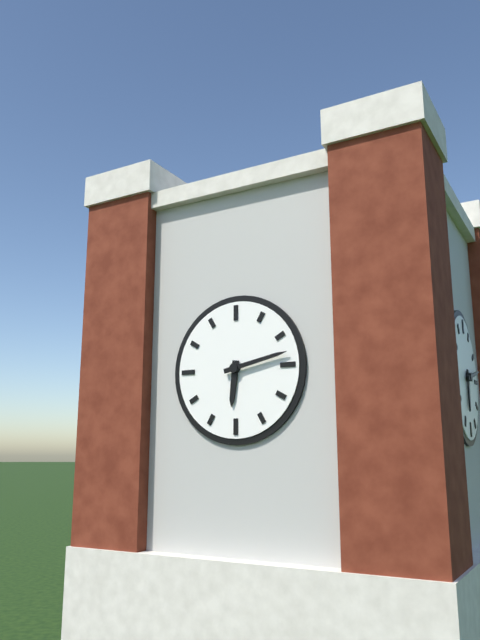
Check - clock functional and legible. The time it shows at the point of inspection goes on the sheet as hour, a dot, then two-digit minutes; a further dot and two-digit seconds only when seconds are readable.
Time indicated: 6.13
